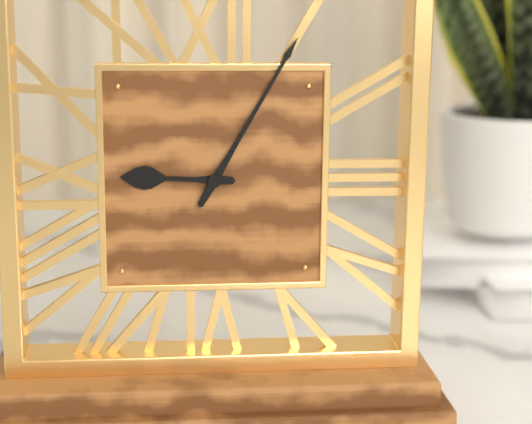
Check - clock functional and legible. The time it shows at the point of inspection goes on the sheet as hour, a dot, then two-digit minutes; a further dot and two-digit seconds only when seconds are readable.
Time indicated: 9.05
